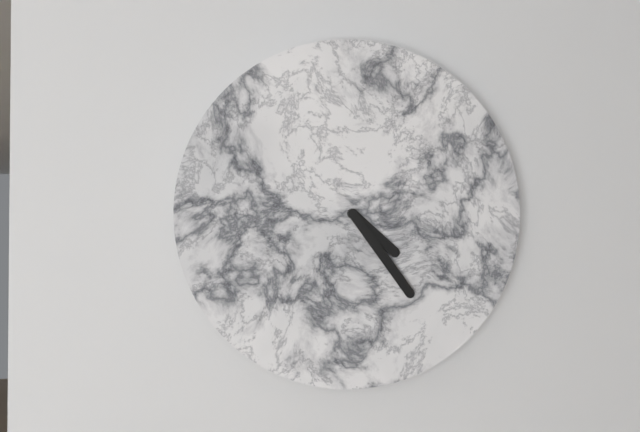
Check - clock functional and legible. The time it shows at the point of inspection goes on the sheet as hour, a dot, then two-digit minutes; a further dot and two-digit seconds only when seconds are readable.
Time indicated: 4.24
